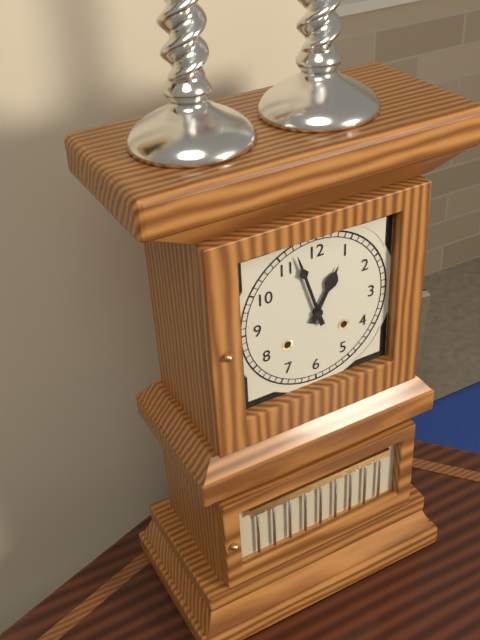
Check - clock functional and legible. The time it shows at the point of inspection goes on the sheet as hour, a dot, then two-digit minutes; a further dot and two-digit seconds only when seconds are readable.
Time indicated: 12.57
